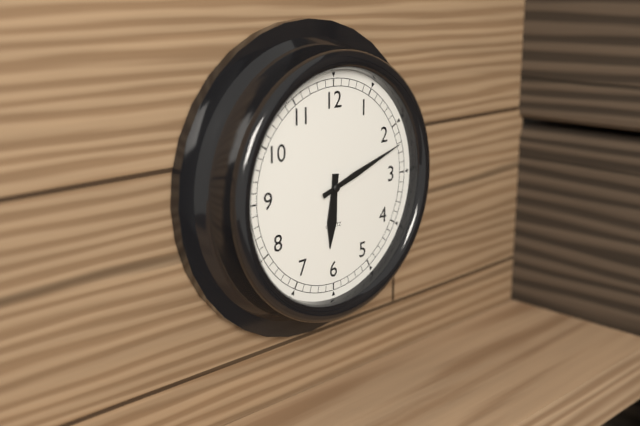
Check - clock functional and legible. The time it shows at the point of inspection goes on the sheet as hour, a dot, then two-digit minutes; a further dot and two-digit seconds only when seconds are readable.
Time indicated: 6.12
